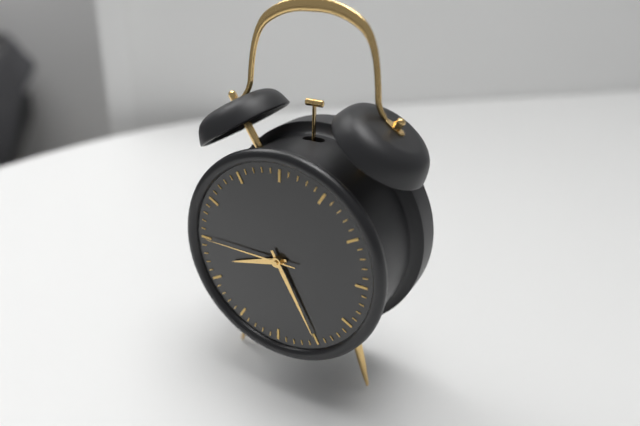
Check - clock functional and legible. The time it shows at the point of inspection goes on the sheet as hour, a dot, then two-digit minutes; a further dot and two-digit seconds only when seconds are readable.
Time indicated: 8.25.45
